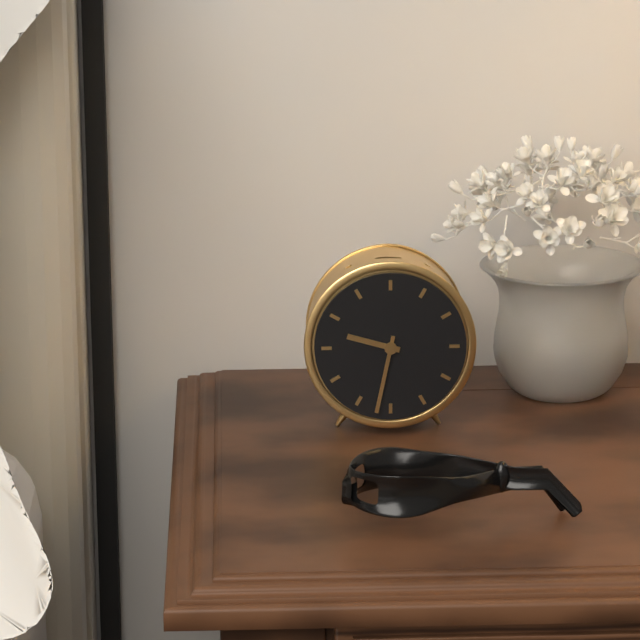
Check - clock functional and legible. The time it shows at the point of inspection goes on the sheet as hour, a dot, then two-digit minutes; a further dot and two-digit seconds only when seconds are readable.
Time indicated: 9.32
